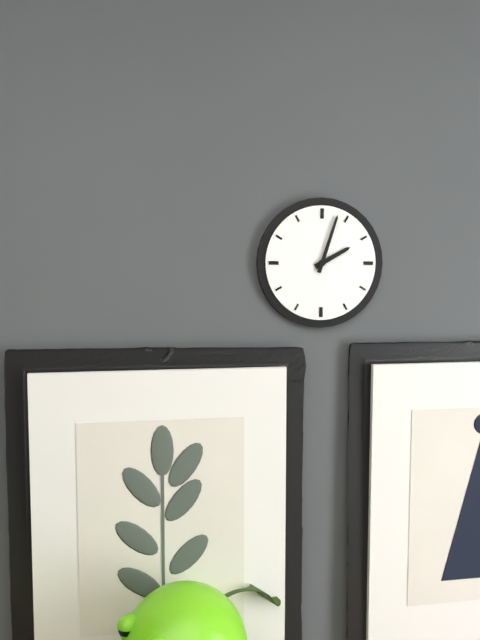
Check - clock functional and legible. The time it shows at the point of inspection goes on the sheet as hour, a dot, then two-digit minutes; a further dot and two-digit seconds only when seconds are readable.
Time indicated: 2.03
